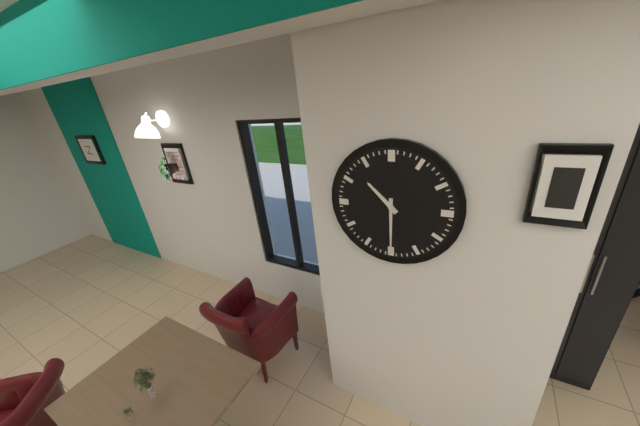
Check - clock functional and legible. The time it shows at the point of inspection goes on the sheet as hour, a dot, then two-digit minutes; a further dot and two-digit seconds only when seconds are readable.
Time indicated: 10.30
